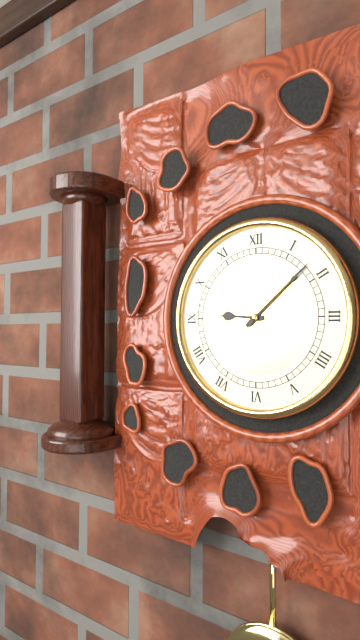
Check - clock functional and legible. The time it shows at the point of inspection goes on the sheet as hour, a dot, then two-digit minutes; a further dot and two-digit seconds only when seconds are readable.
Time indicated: 9.08
